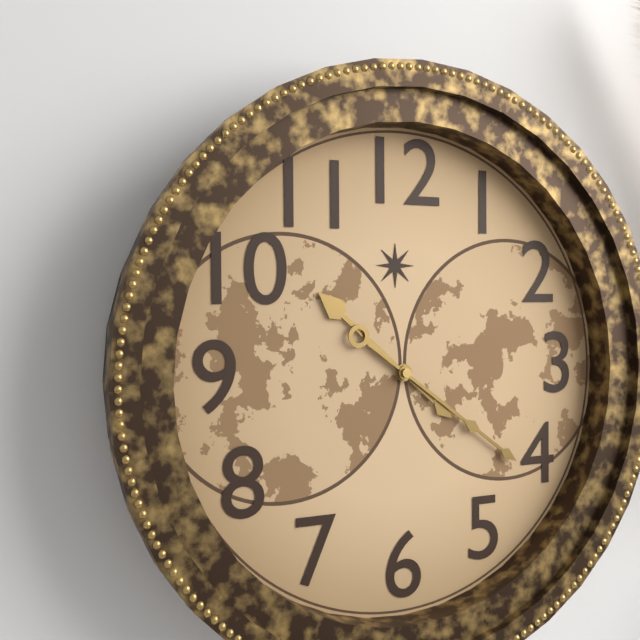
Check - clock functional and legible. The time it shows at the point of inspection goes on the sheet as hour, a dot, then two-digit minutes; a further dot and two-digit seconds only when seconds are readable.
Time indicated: 10.21
